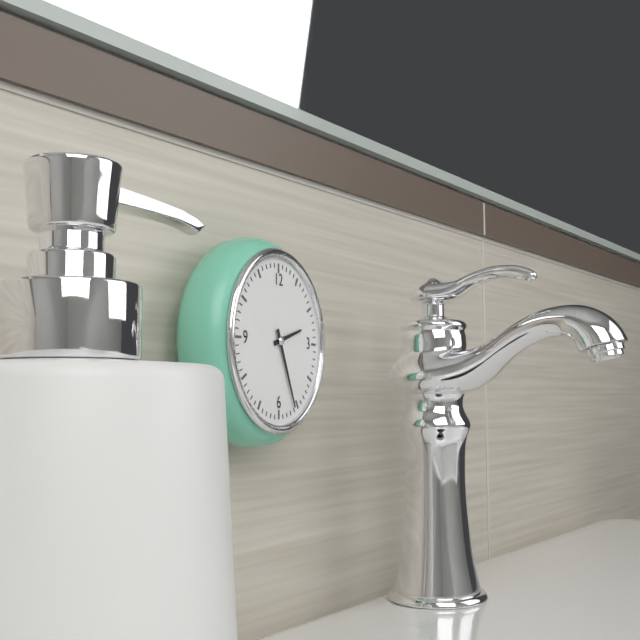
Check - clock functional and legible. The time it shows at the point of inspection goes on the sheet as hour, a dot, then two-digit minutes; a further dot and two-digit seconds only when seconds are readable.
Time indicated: 2.26
